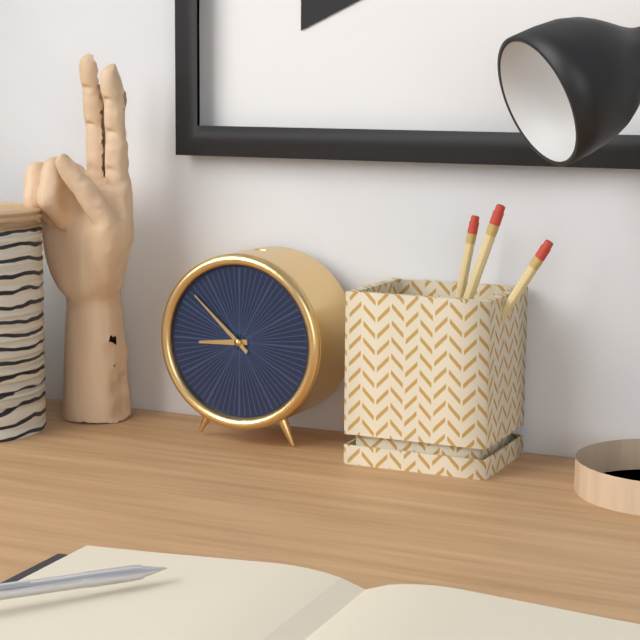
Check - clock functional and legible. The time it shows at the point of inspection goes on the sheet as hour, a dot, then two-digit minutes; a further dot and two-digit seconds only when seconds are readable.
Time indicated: 8.52
